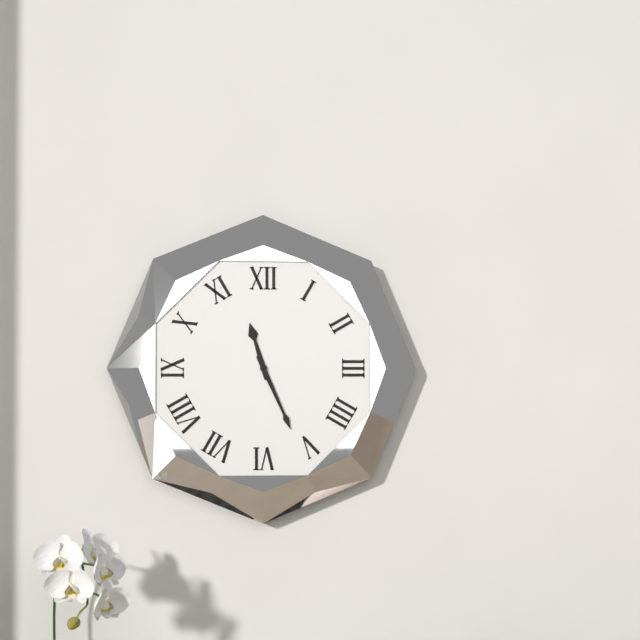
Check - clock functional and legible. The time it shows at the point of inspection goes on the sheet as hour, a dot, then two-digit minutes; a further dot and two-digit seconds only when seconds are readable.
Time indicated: 11.26
